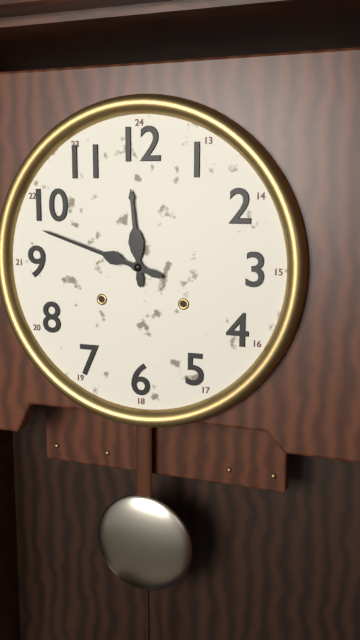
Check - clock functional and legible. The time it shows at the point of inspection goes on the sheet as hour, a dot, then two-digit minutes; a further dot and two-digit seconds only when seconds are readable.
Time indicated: 11.48
